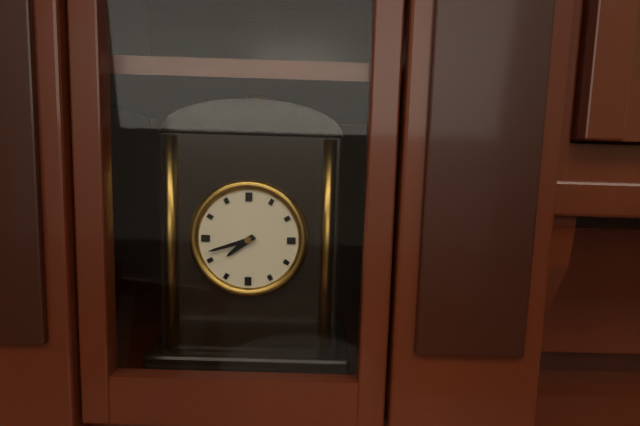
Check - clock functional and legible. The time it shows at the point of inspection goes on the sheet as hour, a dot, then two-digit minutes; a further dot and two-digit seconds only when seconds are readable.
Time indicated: 7.42
